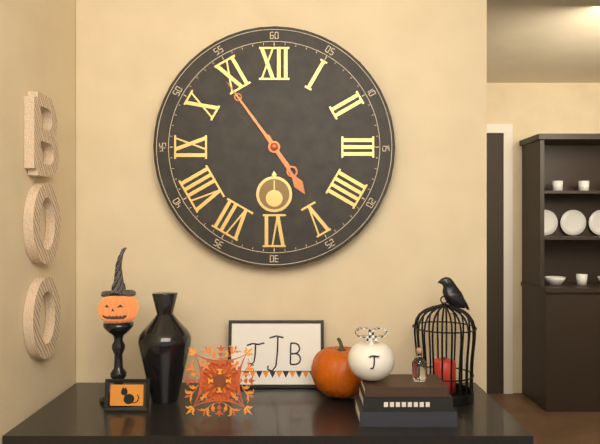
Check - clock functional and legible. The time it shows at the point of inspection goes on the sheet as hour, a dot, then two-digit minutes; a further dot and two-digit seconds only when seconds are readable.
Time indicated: 4.54
